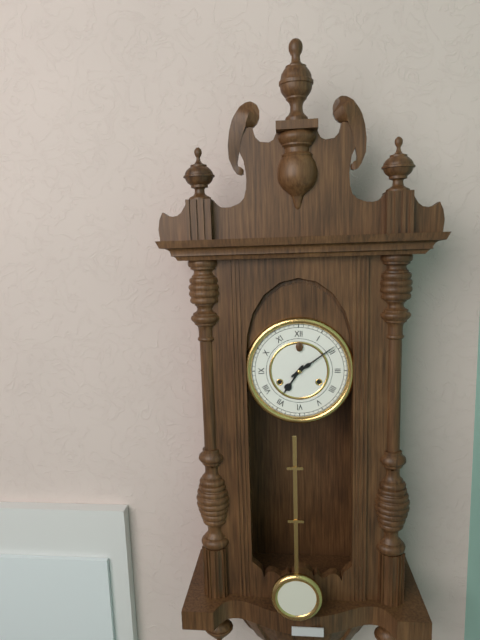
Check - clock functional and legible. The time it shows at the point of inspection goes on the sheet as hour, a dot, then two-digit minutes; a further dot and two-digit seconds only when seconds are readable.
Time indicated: 7.09
